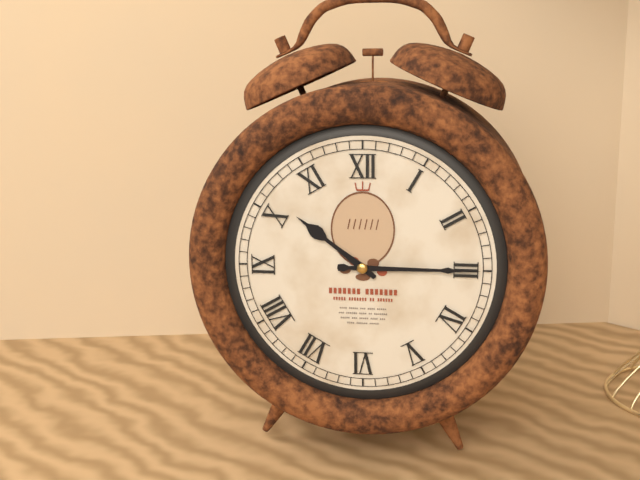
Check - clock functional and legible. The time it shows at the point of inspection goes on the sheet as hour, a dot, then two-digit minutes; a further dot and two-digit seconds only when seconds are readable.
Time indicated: 10.15
